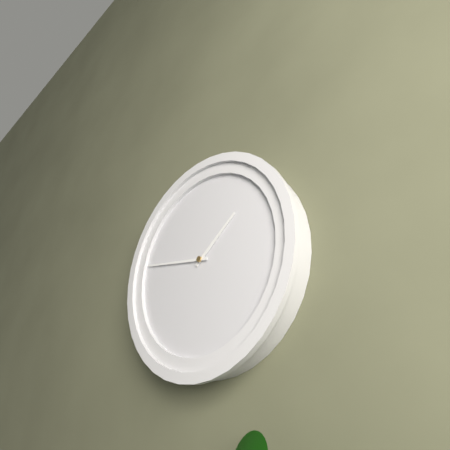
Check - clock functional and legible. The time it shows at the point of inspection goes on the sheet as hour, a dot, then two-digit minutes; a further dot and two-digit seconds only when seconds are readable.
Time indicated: 1.47
